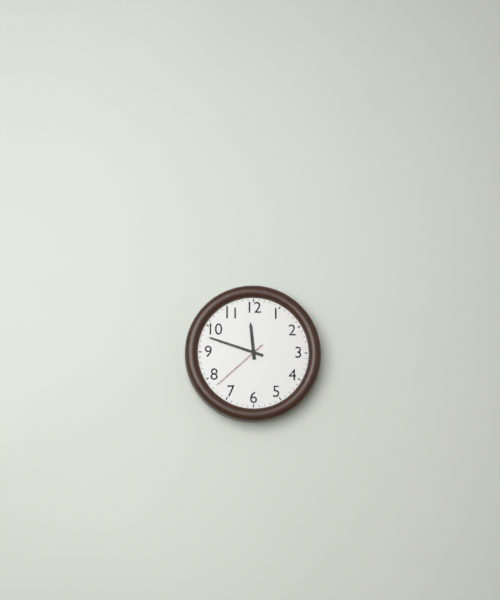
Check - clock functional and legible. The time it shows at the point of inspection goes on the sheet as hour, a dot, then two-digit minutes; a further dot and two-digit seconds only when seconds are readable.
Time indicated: 11.48.38
